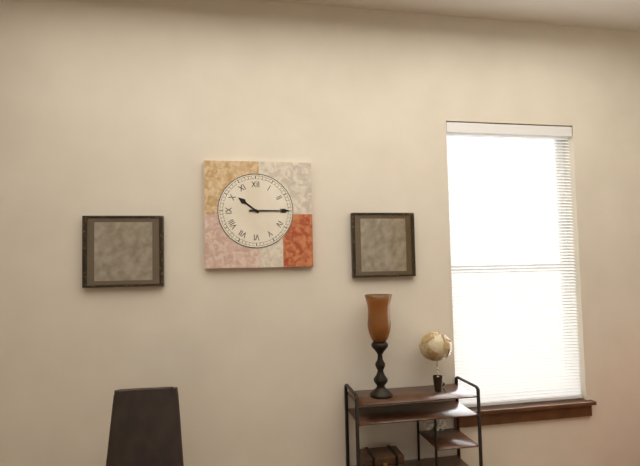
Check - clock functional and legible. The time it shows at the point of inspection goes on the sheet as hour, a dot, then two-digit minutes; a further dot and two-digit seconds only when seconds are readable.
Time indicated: 10.15
